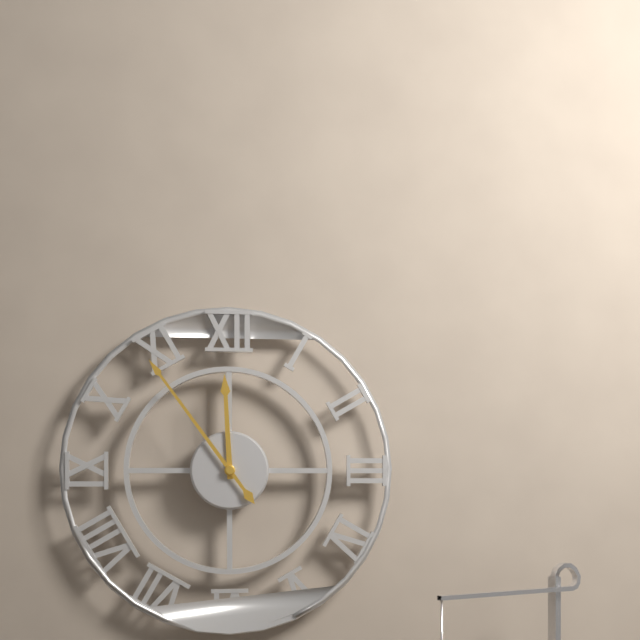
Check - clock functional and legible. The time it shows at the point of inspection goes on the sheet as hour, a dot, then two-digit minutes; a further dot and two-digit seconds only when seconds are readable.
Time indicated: 11.54
